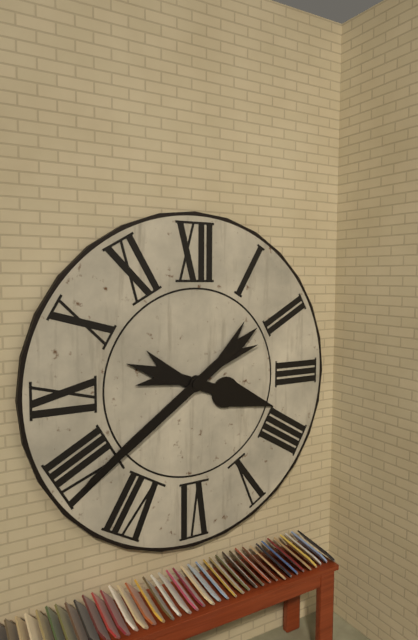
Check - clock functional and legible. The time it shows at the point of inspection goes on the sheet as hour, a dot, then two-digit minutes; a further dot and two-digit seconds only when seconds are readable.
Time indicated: 3.39
